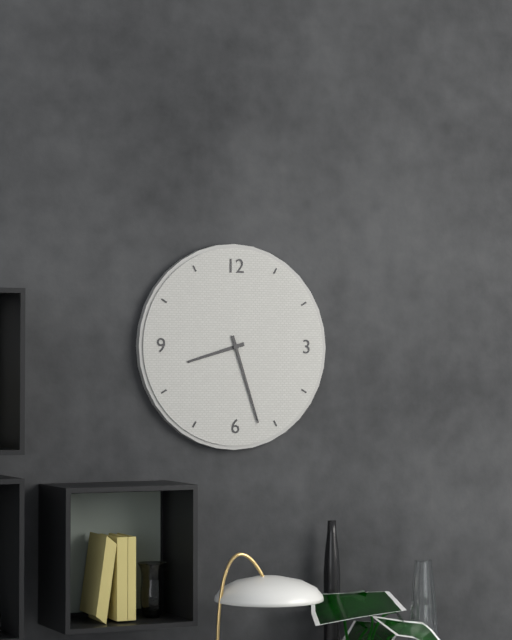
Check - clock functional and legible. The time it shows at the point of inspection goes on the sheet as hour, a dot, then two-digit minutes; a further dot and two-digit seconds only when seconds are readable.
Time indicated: 8.27
